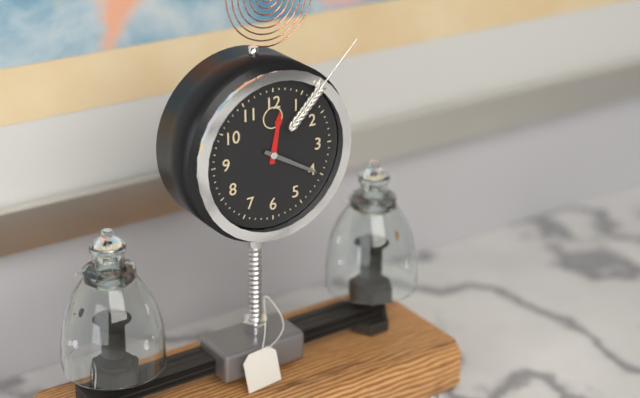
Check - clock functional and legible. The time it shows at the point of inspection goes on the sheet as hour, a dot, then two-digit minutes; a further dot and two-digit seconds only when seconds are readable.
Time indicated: 12.20
